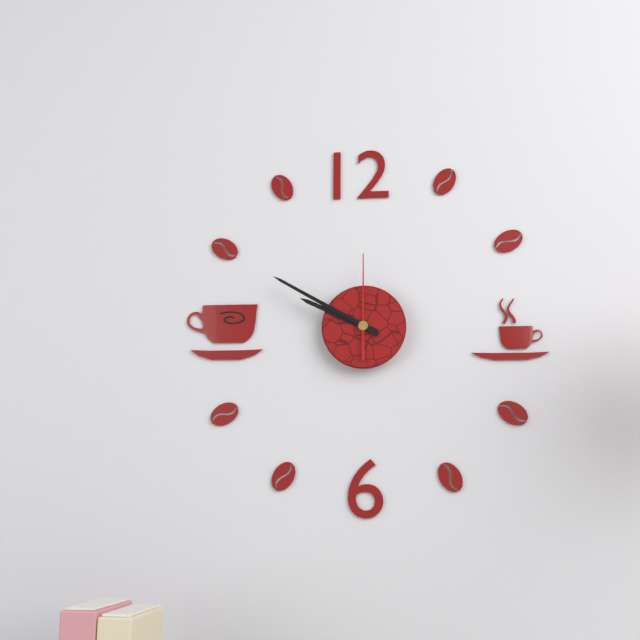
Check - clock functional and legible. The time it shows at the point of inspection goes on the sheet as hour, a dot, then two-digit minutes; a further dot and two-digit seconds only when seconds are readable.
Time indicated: 9.50.00
